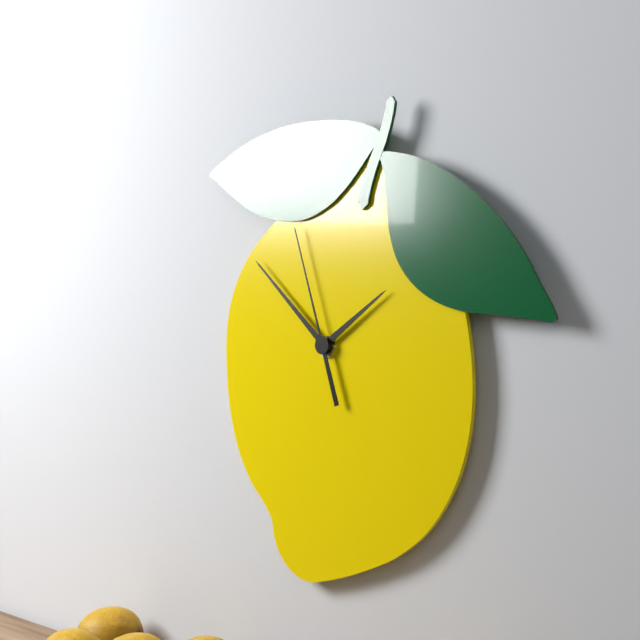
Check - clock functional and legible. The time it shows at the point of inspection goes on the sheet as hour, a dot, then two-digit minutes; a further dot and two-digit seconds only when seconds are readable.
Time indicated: 1.52.57
